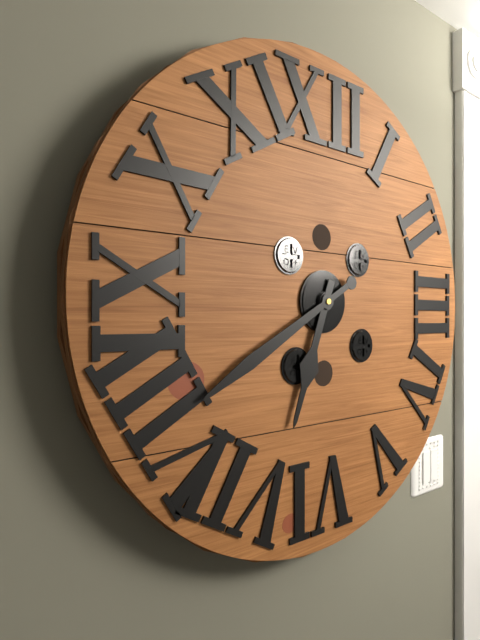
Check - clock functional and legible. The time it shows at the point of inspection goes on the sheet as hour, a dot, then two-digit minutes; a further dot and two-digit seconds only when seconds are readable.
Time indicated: 6.40
